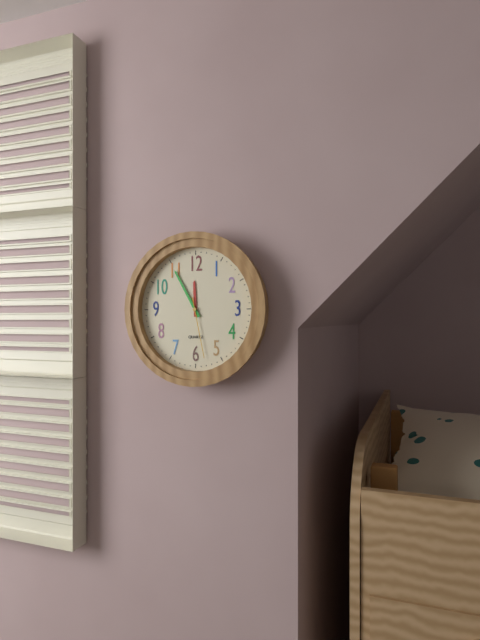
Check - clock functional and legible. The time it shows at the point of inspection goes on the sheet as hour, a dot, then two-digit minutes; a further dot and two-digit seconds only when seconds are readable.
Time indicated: 11.55.28
